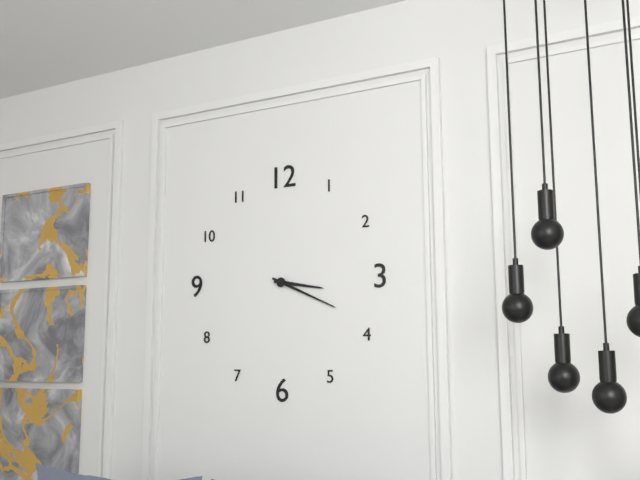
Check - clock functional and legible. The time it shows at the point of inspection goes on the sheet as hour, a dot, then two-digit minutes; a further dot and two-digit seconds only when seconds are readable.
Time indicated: 3.19
